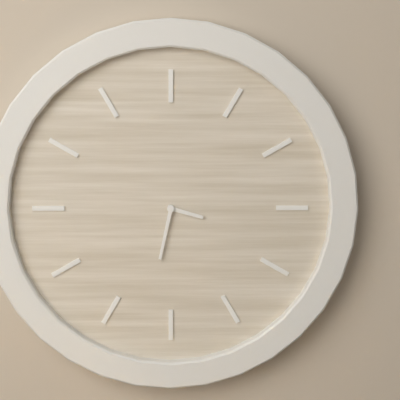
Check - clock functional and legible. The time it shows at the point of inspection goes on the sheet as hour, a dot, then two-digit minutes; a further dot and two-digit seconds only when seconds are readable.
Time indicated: 3.32
